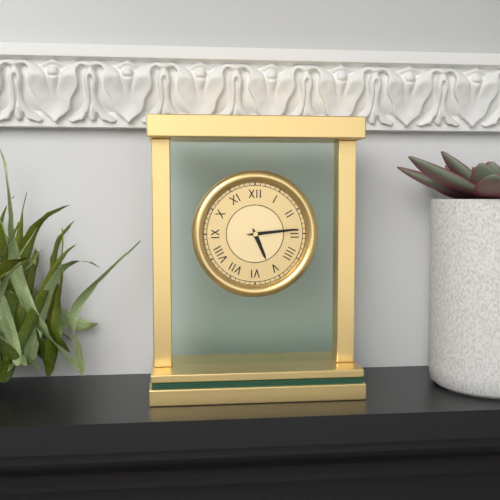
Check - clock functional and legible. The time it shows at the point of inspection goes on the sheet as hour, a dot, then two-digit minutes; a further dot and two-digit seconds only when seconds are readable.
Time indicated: 5.14
